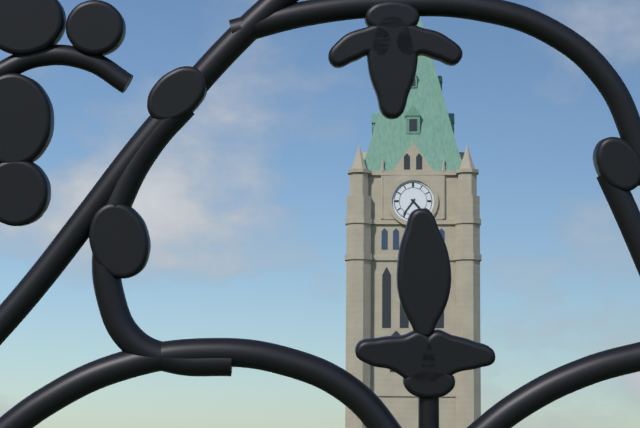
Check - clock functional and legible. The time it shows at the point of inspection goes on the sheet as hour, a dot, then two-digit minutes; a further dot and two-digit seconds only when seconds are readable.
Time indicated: 4.36
